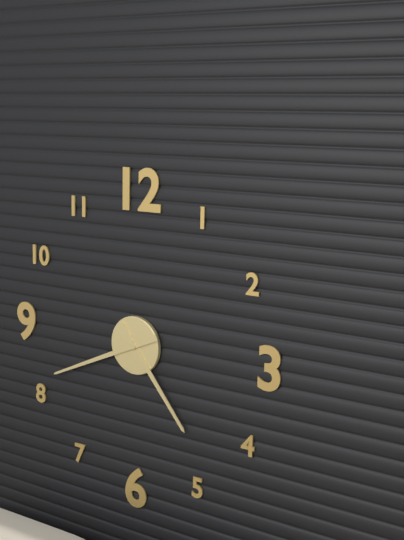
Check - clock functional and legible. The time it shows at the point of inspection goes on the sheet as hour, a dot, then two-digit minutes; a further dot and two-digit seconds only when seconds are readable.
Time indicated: 4.41
